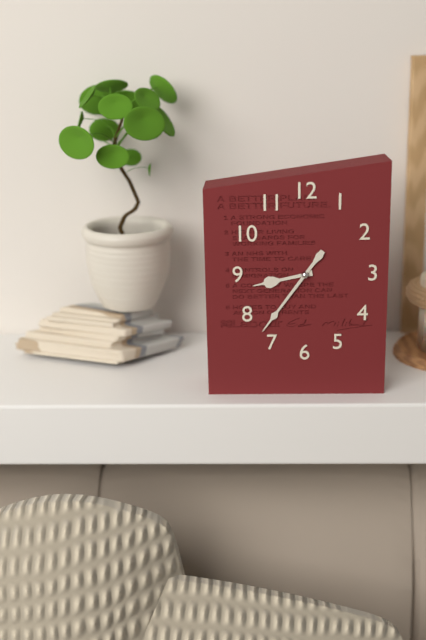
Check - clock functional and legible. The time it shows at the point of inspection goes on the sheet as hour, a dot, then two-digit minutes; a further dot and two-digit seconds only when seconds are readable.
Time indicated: 8.36
